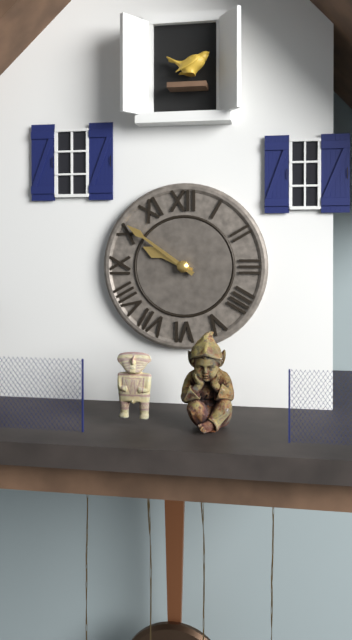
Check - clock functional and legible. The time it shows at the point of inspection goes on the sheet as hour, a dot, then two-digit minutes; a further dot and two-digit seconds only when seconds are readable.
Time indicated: 9.51
